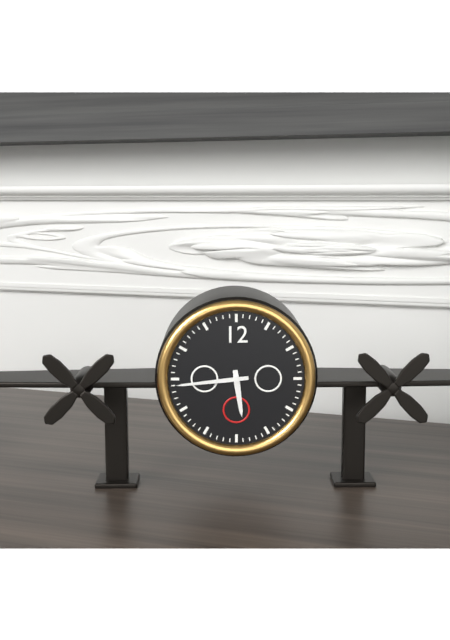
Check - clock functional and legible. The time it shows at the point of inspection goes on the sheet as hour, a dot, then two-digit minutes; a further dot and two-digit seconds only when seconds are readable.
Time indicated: 5.44
